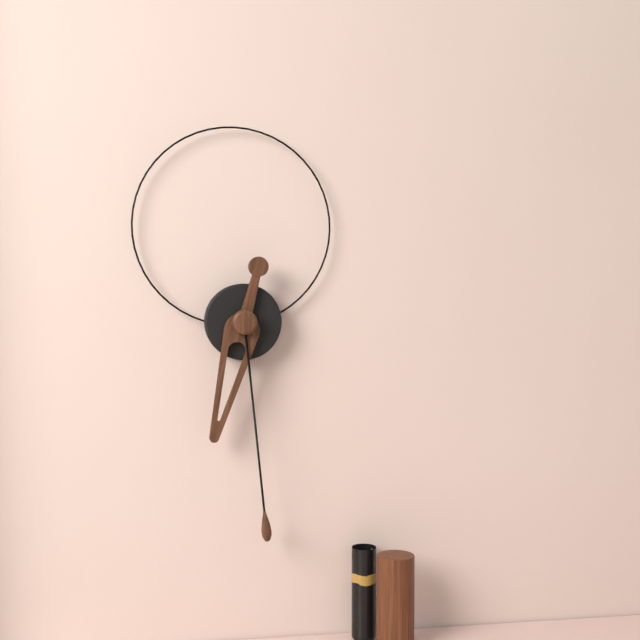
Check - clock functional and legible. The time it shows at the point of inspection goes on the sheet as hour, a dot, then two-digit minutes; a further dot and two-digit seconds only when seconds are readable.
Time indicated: 6.29
